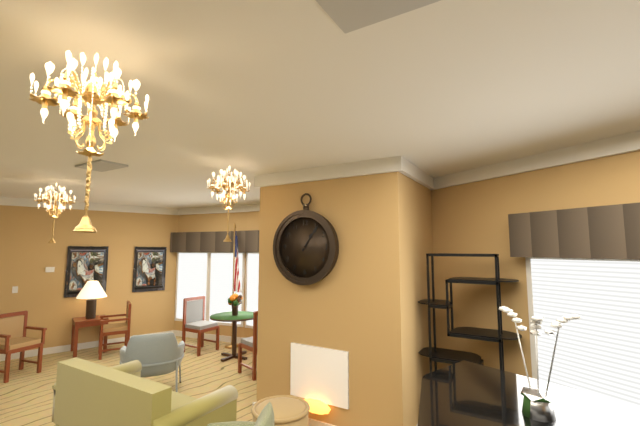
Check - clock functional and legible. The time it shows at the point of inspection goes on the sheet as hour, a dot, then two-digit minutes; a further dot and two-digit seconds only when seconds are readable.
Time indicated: 1.06
